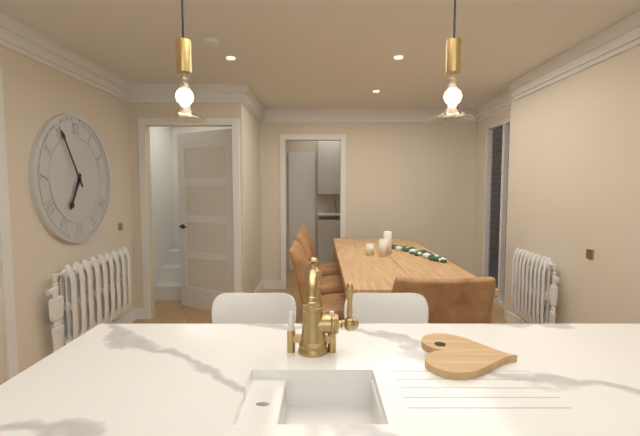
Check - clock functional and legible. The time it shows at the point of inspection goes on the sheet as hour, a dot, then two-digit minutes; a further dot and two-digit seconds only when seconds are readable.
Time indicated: 6.55
